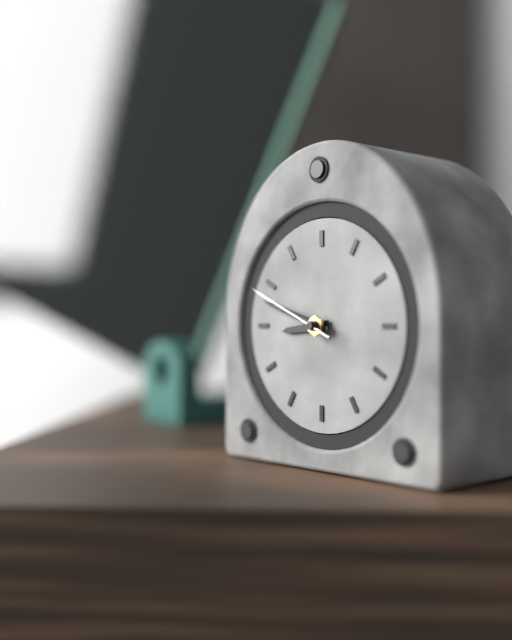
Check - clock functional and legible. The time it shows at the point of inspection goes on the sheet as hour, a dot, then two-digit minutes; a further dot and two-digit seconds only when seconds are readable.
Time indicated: 8.48.49
